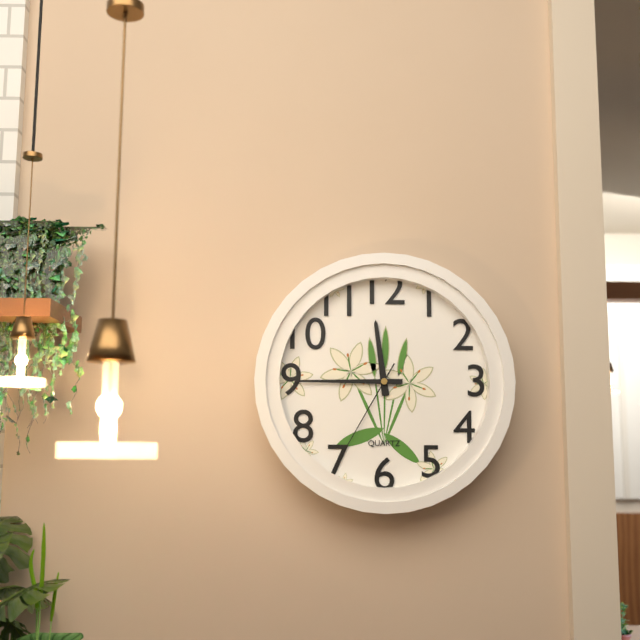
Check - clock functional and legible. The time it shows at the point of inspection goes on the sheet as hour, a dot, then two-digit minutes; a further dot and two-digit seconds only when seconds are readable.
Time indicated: 11.45.35
